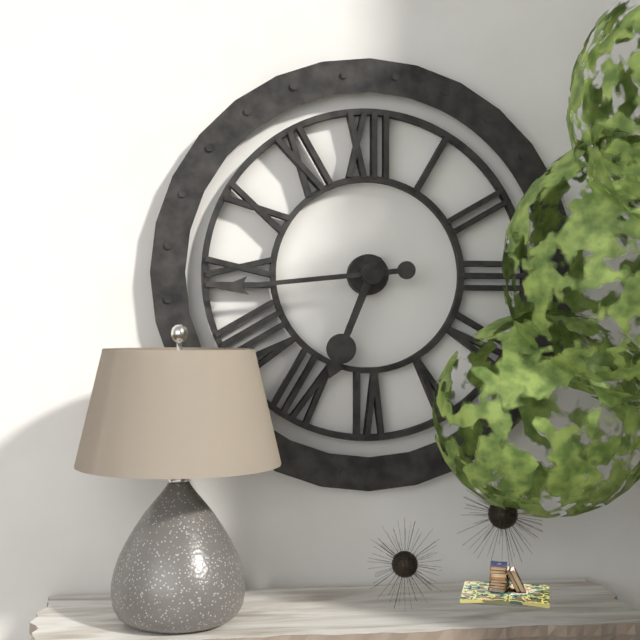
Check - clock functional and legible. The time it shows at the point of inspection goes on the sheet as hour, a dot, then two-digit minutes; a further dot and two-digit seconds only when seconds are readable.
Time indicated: 6.44
